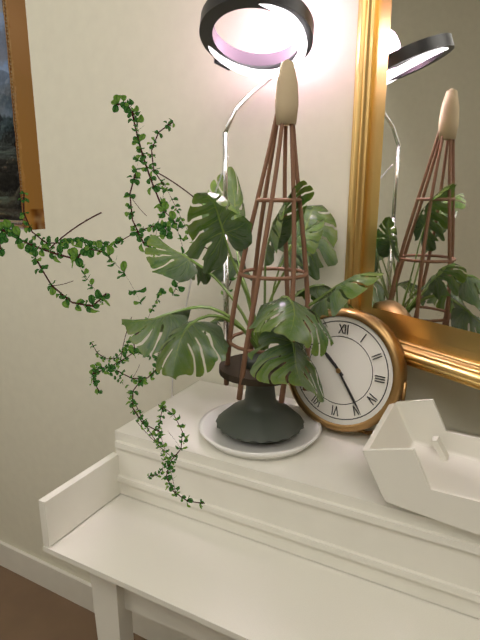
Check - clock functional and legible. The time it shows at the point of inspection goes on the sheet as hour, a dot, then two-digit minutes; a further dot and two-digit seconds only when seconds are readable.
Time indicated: 10.24
